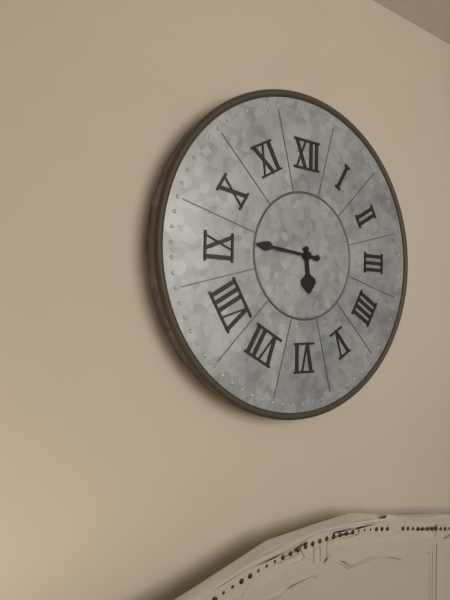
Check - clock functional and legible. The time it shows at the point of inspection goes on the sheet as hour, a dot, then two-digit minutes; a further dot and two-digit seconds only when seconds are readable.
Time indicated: 5.46
